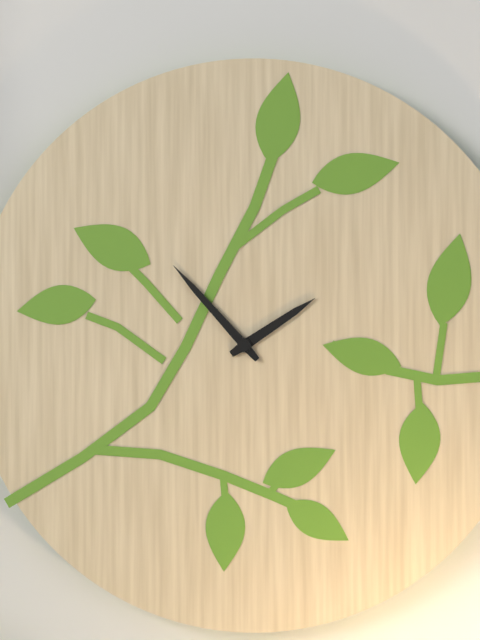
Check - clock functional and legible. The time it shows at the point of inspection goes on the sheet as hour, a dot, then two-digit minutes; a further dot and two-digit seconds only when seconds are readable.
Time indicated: 1.53
